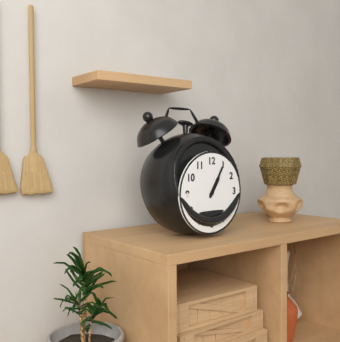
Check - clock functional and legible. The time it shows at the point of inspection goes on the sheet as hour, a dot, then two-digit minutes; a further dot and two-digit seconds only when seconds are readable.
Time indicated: 1.05
